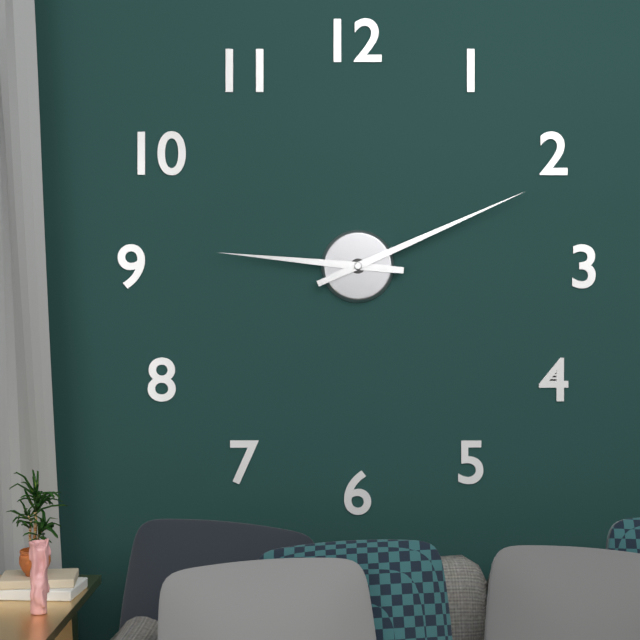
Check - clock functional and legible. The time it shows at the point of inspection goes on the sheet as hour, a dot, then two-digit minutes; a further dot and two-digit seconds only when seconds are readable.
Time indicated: 9.11
